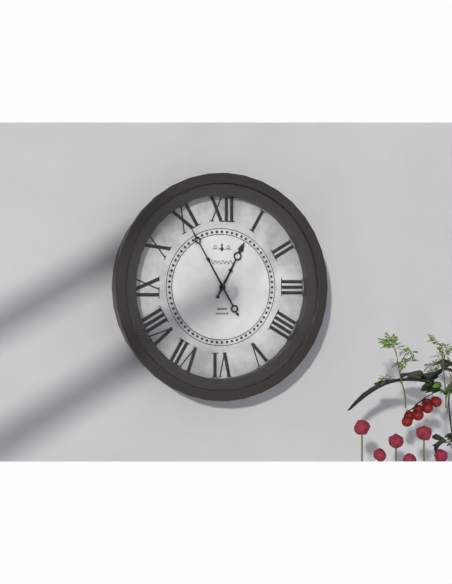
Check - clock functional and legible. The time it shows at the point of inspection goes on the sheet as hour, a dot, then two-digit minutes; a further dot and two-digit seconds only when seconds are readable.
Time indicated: 12.55
